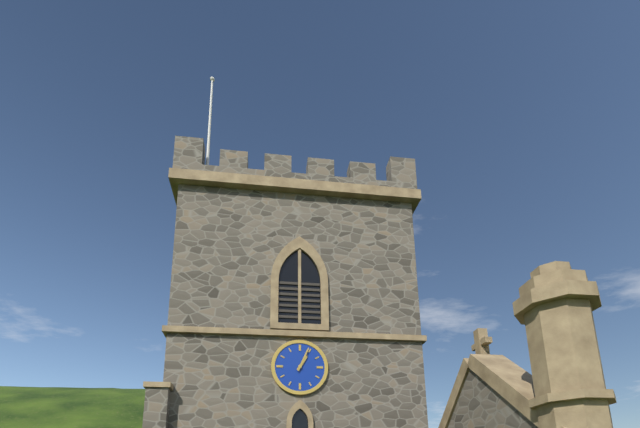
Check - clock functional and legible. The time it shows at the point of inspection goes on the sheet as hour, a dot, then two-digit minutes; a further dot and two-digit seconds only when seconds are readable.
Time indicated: 1.04
